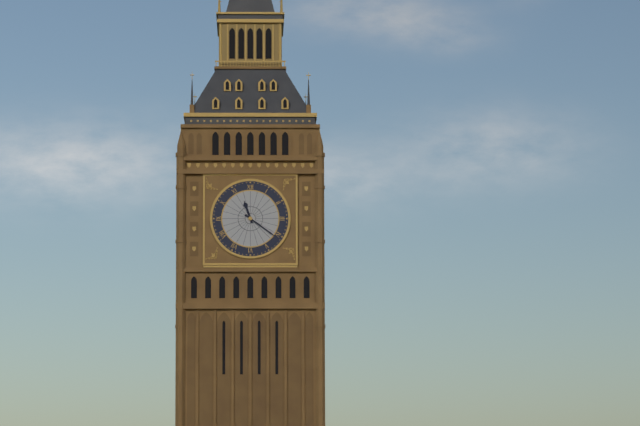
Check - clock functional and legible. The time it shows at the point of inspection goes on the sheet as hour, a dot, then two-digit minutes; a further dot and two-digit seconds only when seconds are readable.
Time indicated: 11.21
